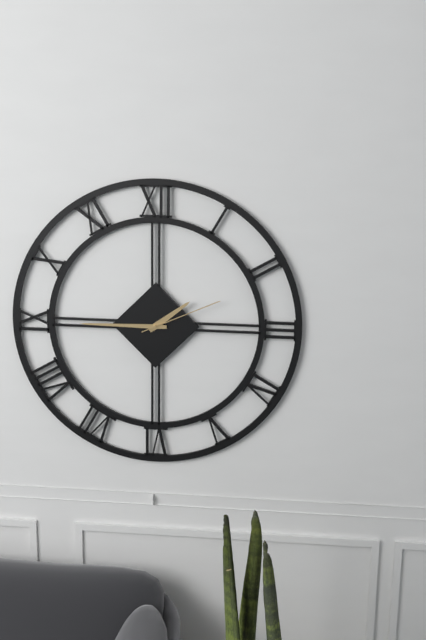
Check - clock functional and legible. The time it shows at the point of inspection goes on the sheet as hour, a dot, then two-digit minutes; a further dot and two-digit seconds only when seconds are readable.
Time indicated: 1.45.11
